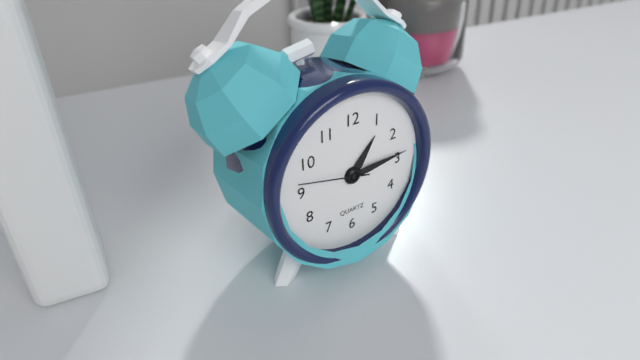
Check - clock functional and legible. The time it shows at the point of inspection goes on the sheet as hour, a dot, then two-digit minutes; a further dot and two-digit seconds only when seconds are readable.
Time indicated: 1.14.47
